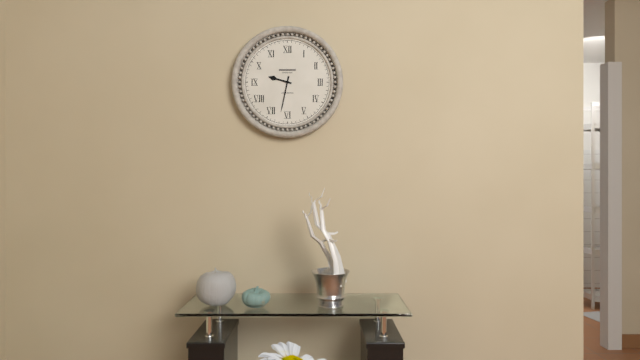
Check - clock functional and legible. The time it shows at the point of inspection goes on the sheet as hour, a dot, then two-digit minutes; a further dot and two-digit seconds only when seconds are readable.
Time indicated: 9.32
